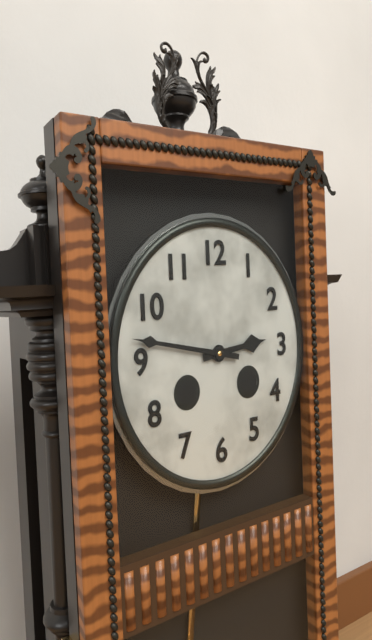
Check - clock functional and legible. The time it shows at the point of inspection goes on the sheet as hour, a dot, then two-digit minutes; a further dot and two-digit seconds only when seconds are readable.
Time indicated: 2.47
